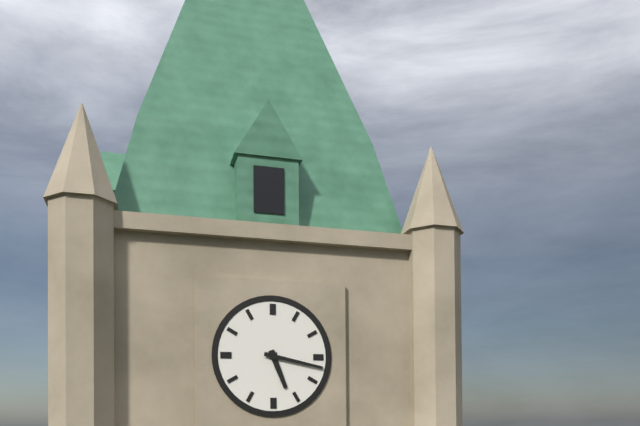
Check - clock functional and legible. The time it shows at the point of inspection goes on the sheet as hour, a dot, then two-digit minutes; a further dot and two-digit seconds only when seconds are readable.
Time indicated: 5.17
